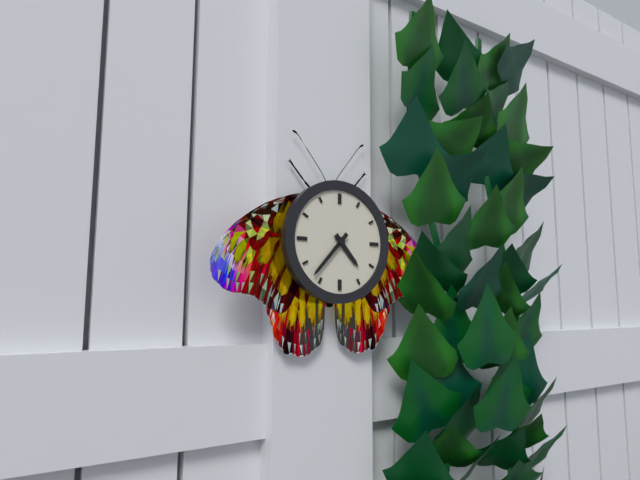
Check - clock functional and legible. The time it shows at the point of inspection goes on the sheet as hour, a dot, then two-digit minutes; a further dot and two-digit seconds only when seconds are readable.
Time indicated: 4.37
